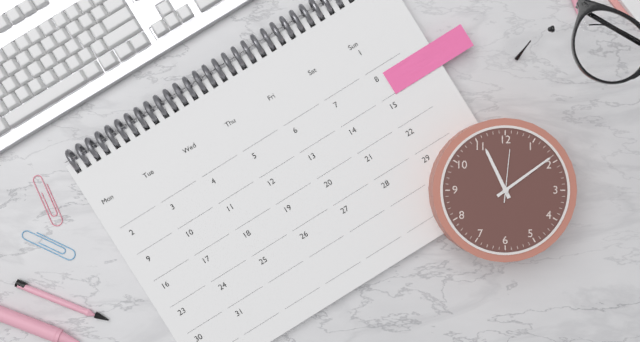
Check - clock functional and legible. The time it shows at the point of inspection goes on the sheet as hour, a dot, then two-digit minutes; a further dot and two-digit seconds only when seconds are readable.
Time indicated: 11.09.01
